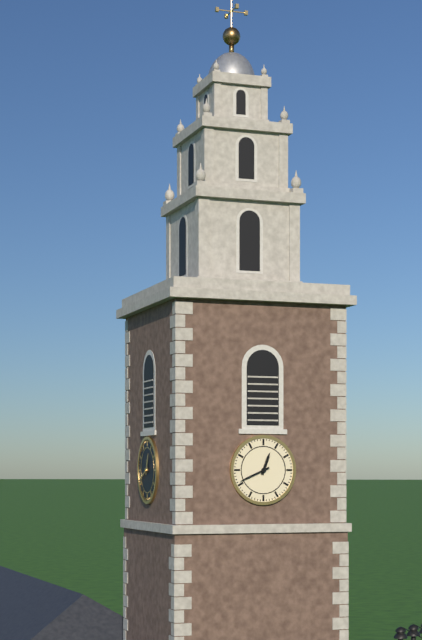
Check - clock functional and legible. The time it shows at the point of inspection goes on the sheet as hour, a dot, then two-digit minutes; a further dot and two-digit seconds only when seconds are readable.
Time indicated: 12.41
